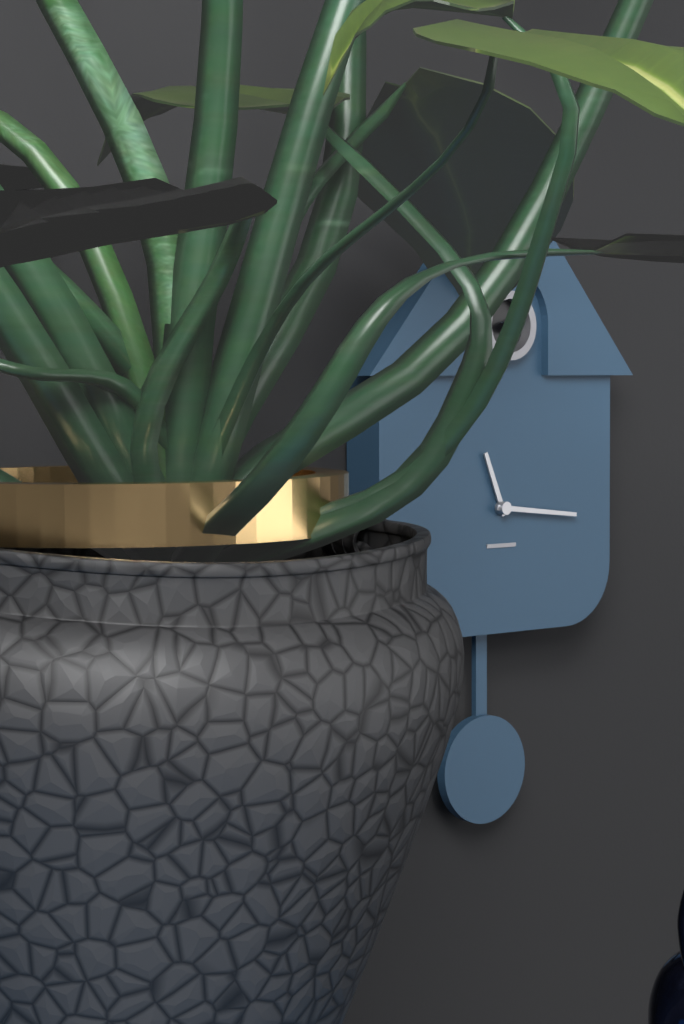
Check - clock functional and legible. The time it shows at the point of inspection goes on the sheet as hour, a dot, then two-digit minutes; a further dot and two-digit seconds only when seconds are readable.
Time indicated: 11.16
